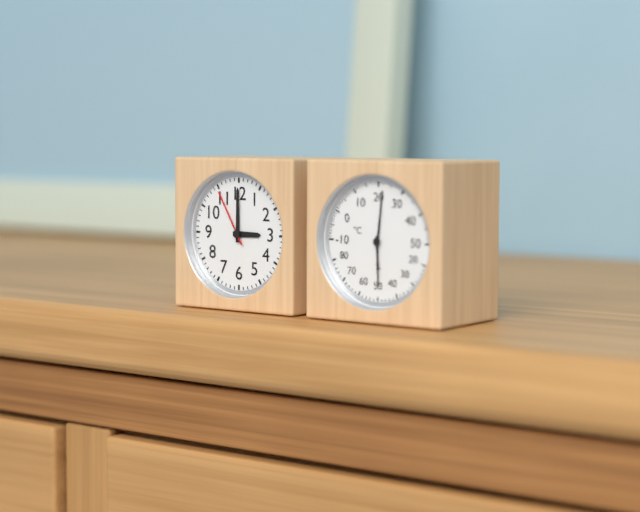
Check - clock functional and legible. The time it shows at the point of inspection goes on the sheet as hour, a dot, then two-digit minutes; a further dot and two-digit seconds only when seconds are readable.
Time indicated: 3.00.55
